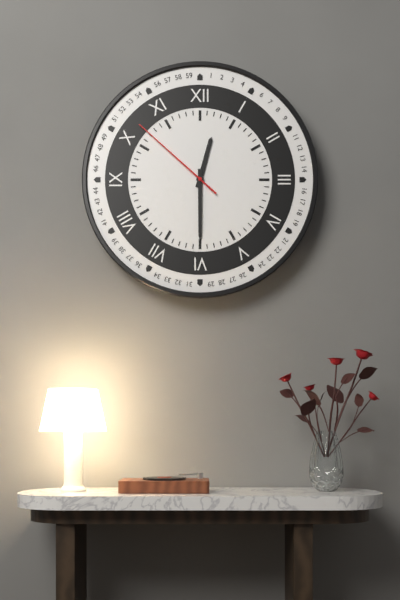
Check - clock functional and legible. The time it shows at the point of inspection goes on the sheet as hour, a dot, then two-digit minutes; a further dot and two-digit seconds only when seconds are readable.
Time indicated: 12.30.52
